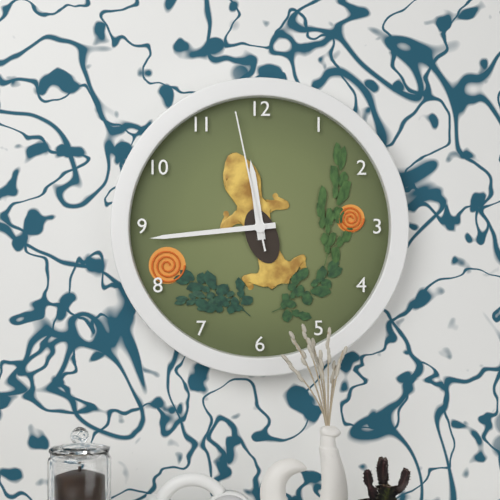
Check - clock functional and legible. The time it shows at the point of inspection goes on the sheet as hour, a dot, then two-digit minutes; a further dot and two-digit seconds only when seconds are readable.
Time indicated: 11.44.58
